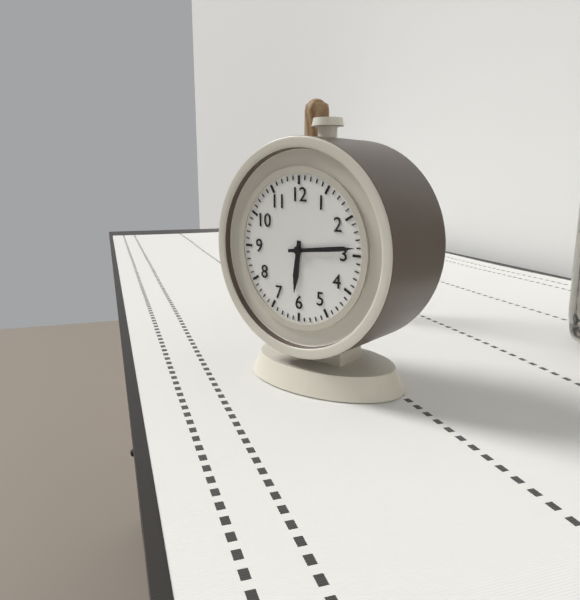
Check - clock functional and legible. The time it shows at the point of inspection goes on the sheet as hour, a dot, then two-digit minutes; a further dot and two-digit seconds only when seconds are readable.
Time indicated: 6.14
